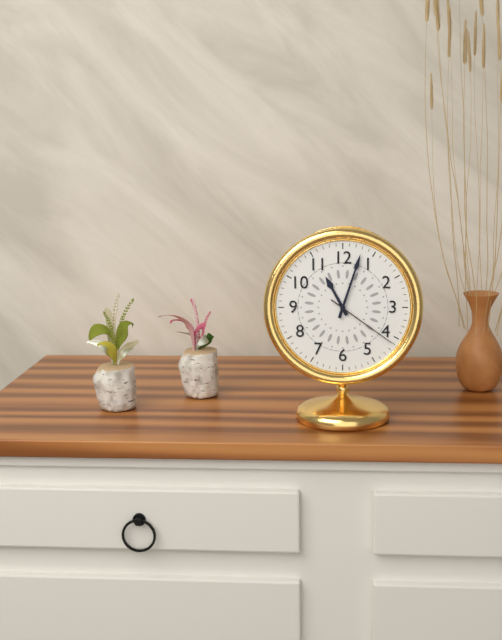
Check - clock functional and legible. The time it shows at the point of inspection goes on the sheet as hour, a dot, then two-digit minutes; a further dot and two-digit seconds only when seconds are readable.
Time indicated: 11.03.21
